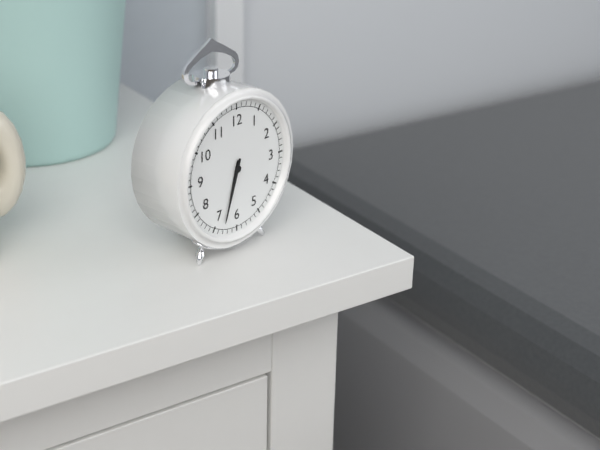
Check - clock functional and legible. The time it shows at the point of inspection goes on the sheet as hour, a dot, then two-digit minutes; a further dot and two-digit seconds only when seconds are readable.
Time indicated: 6.33
